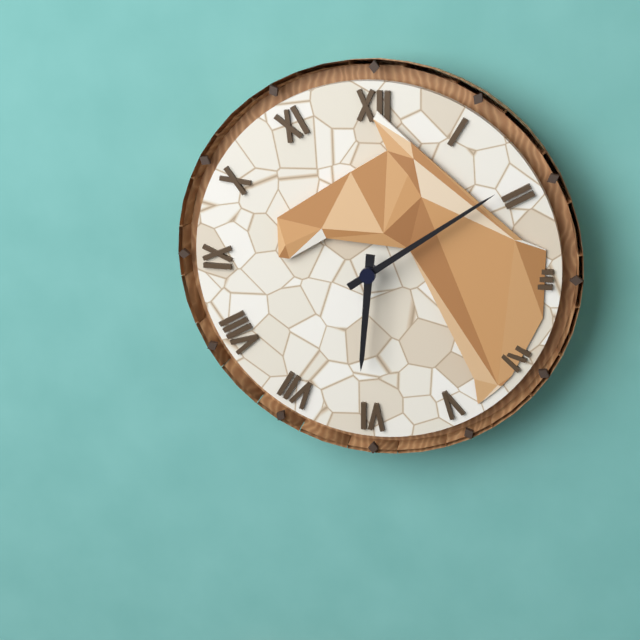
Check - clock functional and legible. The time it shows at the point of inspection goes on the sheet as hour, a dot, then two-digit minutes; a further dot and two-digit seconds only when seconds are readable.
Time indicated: 6.09
